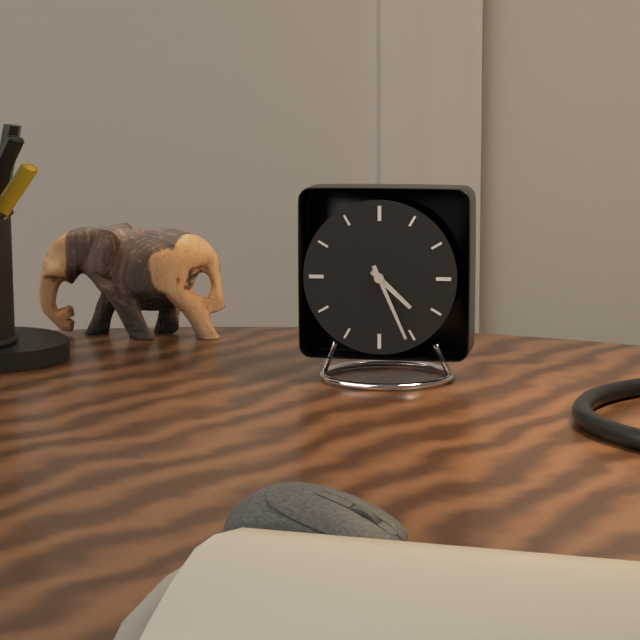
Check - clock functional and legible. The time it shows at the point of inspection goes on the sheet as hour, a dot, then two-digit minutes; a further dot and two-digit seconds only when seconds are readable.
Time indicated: 4.26
